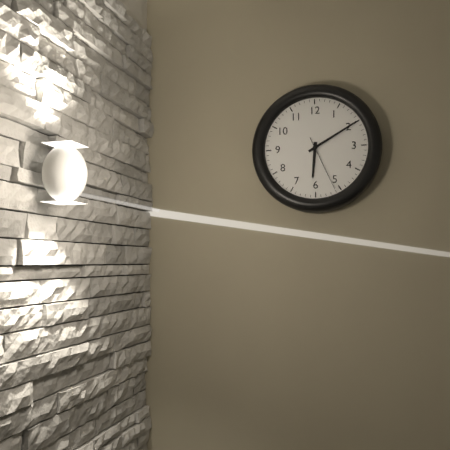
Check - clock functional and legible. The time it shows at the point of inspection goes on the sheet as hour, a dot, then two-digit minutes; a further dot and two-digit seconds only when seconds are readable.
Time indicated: 6.10.26
